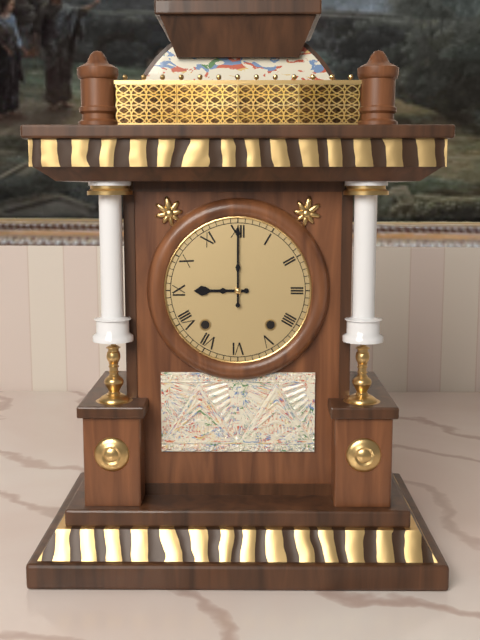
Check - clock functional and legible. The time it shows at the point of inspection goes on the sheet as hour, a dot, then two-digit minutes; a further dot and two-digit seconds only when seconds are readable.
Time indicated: 9.00
